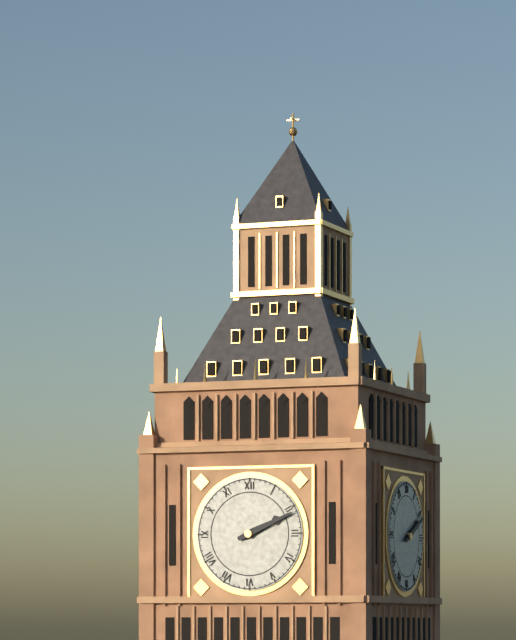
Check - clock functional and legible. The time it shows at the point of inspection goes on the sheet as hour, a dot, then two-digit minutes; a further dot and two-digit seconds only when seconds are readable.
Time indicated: 2.11
